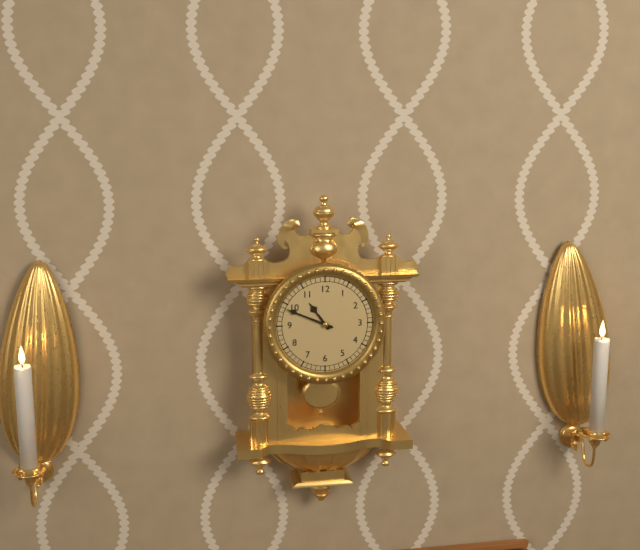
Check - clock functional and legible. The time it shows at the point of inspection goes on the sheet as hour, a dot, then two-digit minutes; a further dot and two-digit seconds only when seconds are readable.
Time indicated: 10.49
